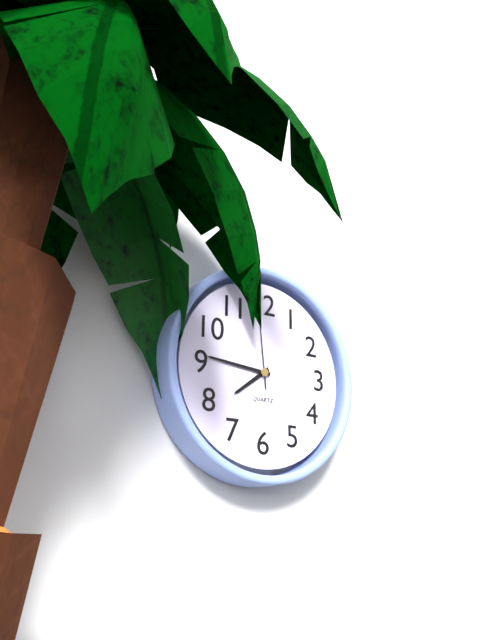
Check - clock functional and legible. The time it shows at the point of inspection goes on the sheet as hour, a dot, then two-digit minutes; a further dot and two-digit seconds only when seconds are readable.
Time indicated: 7.46
